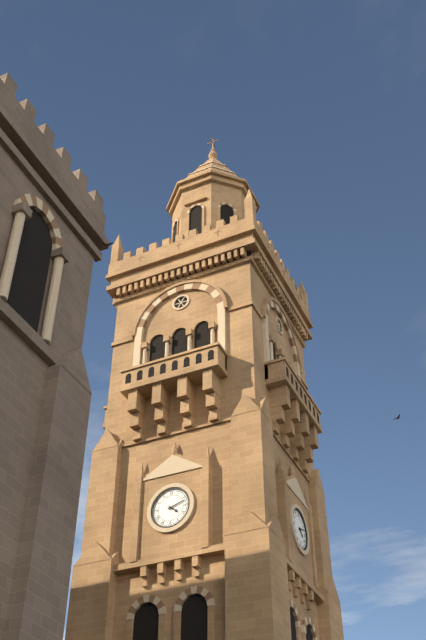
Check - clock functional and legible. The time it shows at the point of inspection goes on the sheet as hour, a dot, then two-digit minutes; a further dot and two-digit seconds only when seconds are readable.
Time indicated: 4.12
